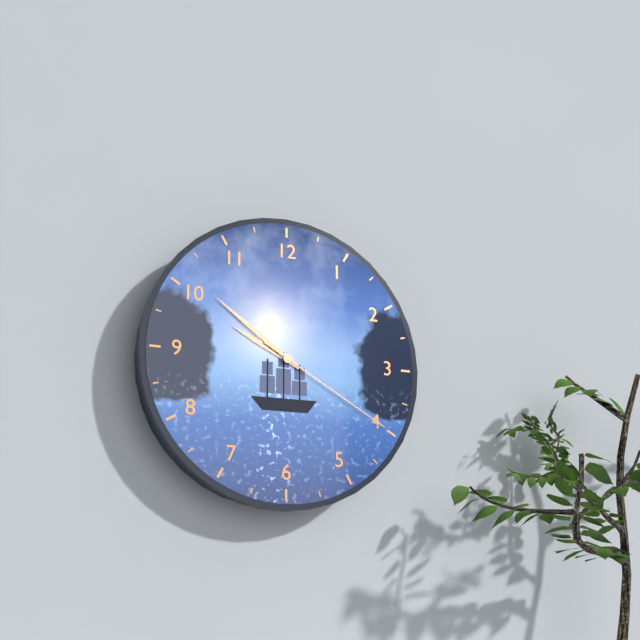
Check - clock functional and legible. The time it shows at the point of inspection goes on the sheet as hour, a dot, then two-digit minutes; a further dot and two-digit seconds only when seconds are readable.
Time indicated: 9.51.20
